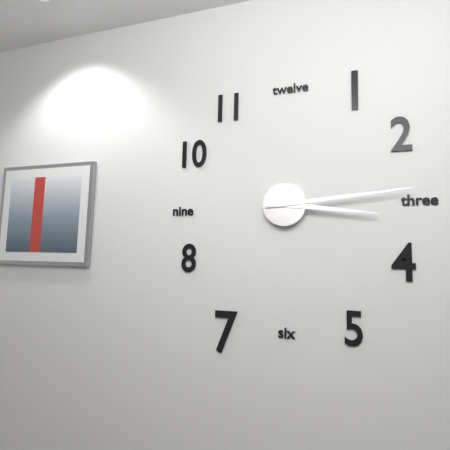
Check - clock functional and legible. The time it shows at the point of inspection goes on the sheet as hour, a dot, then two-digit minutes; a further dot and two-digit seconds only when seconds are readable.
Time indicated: 3.14
